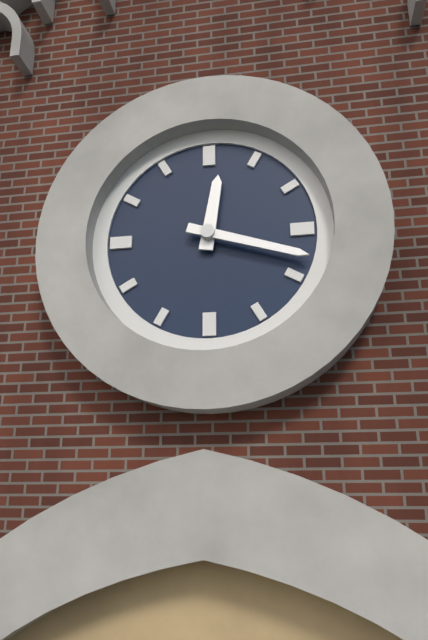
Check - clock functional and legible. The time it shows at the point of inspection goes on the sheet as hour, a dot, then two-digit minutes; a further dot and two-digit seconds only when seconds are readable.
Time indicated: 12.18
